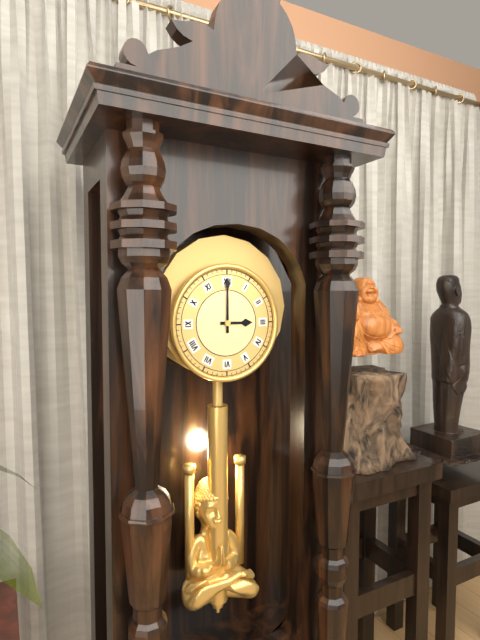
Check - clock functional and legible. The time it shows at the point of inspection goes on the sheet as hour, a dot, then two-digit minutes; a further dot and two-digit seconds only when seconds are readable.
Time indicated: 3.00
